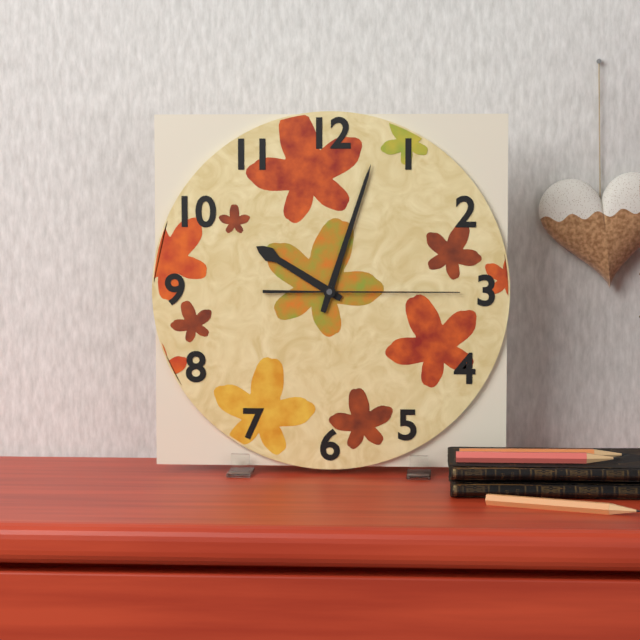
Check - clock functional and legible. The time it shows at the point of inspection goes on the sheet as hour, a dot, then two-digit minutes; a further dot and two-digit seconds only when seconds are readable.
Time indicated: 10.03.15
